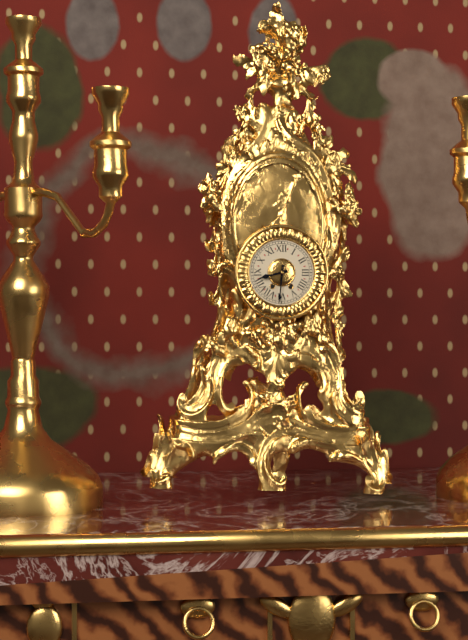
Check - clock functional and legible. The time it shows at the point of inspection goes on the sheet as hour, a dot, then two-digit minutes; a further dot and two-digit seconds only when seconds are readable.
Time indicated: 8.31
